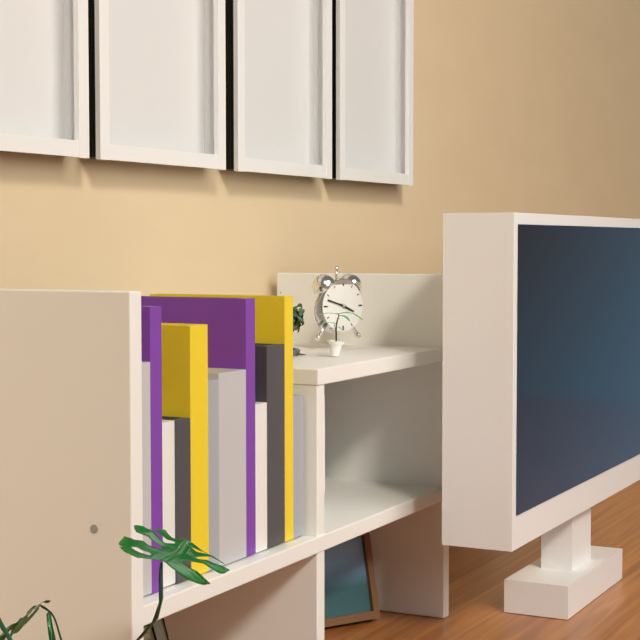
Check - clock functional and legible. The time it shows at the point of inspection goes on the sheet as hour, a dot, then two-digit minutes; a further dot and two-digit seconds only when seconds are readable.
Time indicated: 3.48
